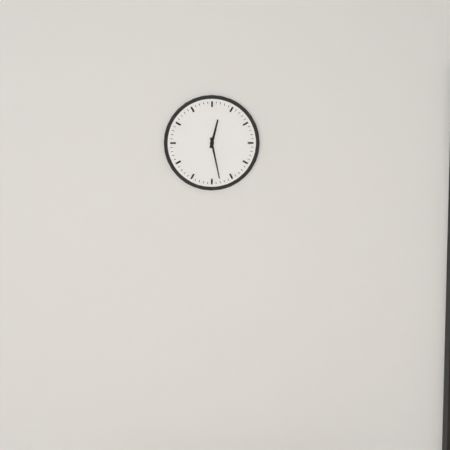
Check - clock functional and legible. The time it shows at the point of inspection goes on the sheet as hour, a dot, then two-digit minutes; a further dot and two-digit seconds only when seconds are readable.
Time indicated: 12.28
